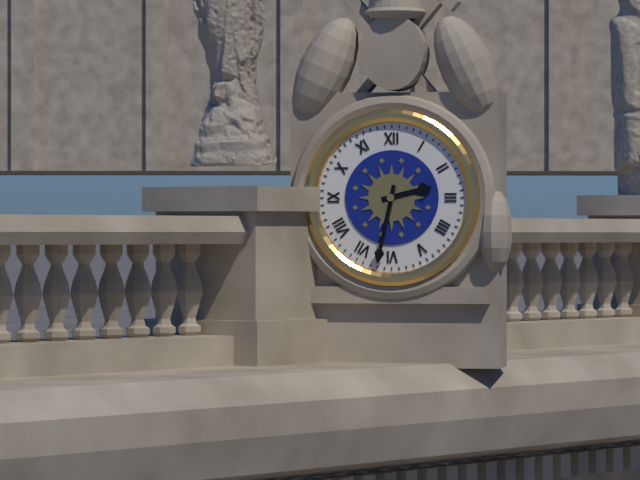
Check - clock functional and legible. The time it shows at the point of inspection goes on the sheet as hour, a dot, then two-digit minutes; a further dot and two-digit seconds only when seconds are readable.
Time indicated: 2.32
